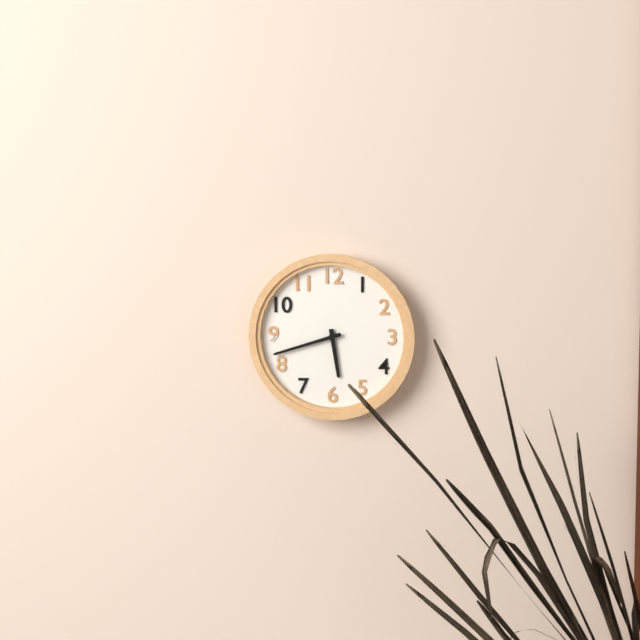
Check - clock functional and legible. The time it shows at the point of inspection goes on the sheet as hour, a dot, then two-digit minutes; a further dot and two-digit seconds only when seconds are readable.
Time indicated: 5.42
